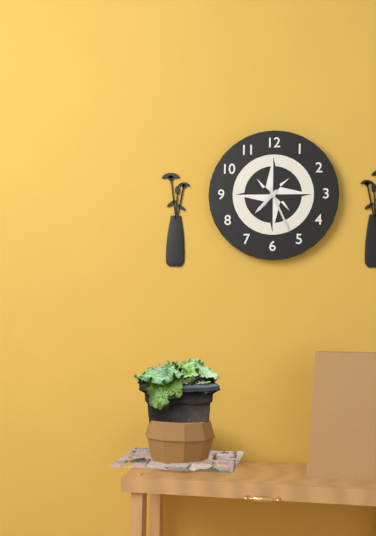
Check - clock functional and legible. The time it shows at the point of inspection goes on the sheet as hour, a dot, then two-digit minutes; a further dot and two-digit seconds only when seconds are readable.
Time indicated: 7.26
